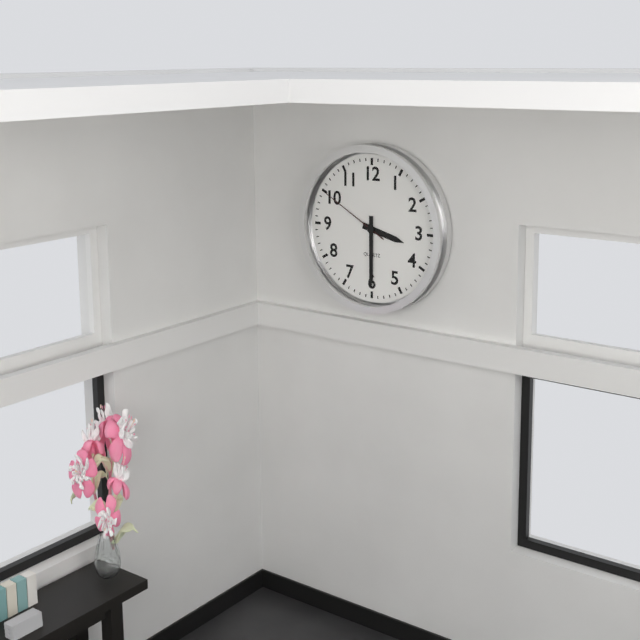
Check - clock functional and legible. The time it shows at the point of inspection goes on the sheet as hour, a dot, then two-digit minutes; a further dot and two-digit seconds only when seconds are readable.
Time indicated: 3.30.50
